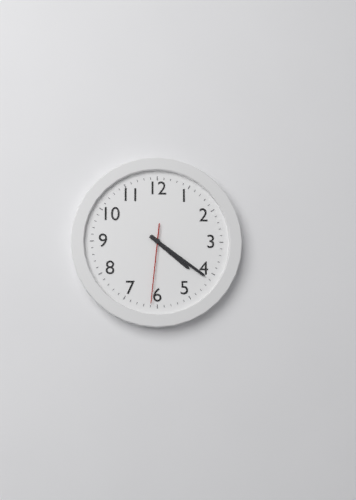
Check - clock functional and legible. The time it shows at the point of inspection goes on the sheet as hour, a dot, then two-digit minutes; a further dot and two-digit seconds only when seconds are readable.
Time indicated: 4.21.31
